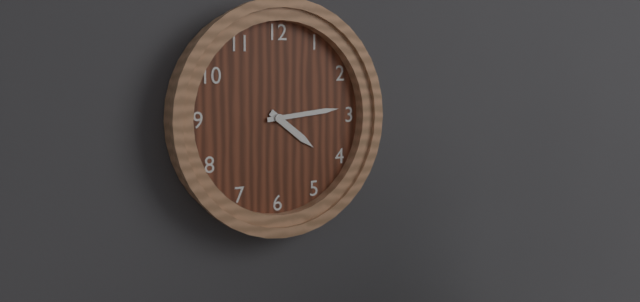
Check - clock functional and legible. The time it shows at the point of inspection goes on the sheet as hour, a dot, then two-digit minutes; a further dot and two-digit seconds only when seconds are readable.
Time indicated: 4.14
